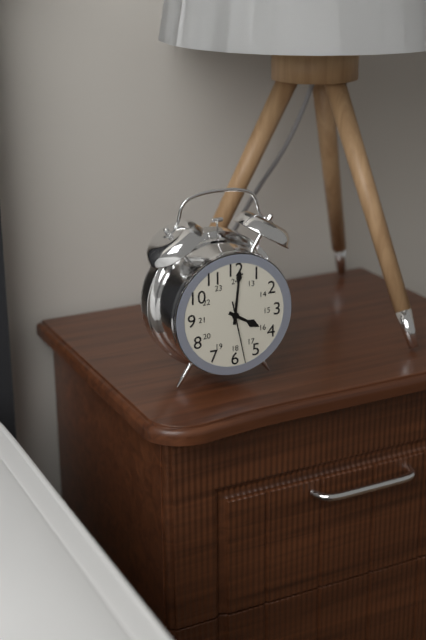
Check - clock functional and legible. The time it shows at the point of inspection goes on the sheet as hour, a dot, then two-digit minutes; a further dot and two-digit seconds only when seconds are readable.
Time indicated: 4.01.28
